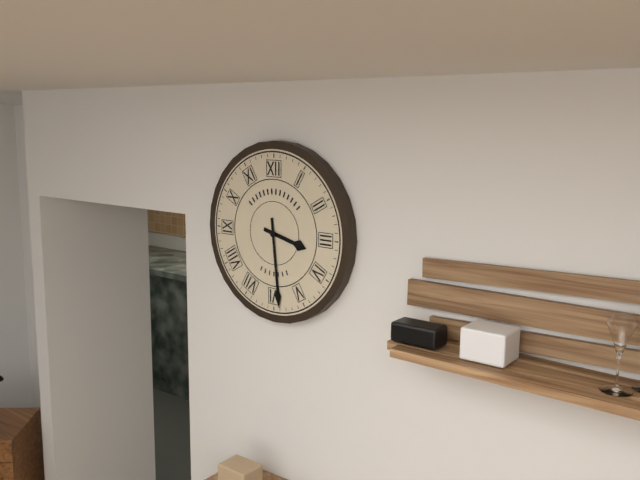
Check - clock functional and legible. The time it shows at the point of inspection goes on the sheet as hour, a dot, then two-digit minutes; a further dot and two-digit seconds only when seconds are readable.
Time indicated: 3.29
